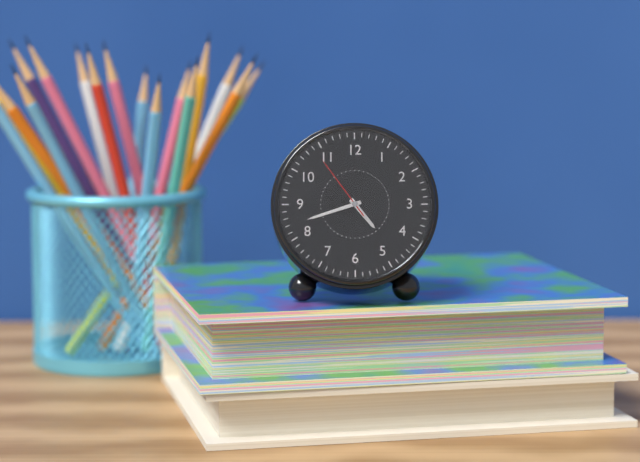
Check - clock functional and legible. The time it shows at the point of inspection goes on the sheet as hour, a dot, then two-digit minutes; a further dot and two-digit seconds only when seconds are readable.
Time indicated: 4.42.54
